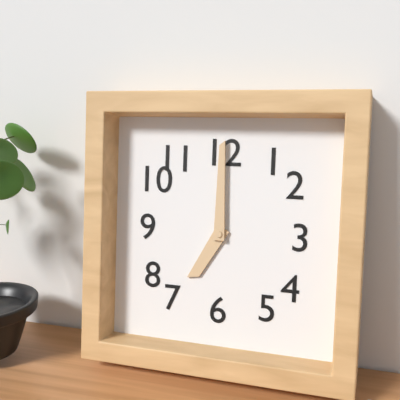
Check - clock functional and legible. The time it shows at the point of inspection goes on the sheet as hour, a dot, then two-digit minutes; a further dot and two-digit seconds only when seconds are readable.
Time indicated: 7.00
